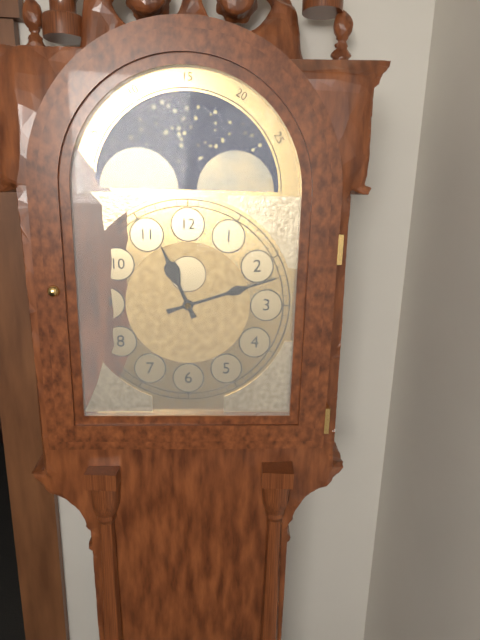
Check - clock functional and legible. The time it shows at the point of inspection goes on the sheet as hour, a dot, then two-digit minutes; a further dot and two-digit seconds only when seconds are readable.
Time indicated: 11.12
